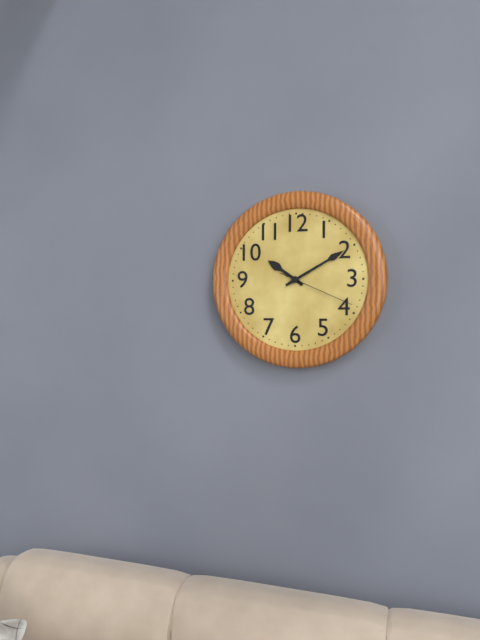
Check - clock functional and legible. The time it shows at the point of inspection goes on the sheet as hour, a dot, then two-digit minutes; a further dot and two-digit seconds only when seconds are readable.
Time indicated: 10.10.19
